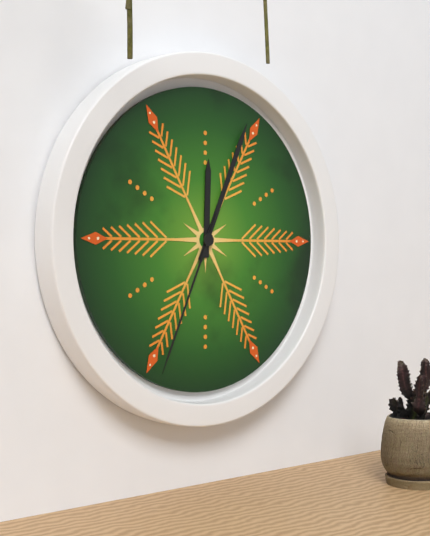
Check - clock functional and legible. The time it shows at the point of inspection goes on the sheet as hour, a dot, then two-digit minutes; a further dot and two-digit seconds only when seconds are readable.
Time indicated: 12.04.34
